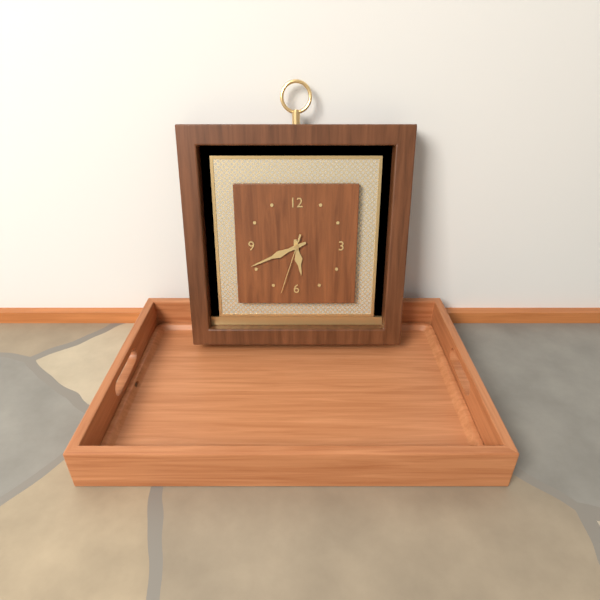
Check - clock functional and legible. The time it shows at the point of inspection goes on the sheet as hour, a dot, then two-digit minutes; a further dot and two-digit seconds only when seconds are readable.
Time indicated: 5.41.33
